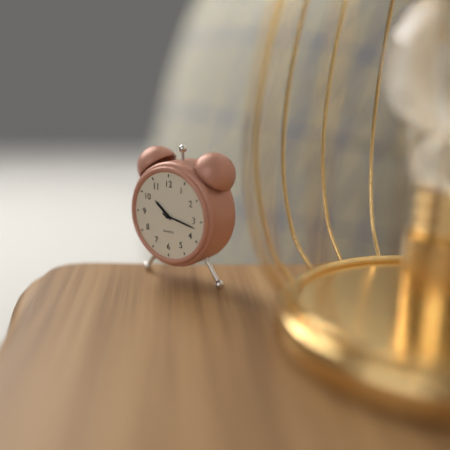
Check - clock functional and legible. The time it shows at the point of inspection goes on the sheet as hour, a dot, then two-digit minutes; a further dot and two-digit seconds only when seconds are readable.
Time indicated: 10.17
